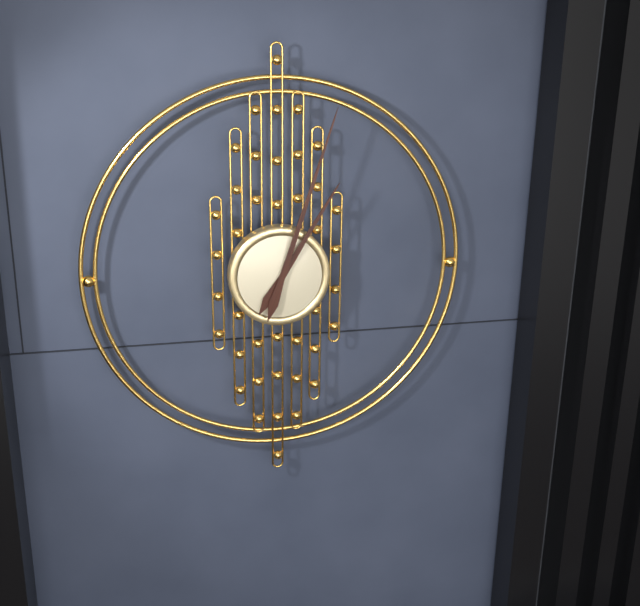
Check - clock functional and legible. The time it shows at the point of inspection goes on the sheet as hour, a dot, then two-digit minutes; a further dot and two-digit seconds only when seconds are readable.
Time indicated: 1.03
